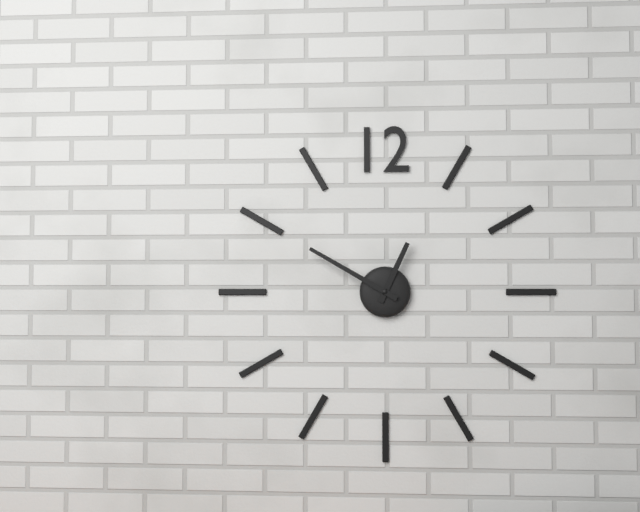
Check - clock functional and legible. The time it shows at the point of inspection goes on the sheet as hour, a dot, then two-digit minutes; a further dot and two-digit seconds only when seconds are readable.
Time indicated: 12.50
